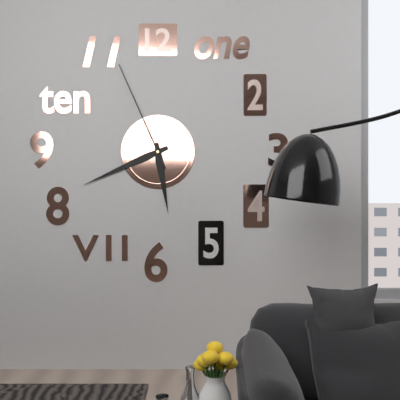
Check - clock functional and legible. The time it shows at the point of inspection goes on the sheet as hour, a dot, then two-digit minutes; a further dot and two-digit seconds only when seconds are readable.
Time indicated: 5.41.56
